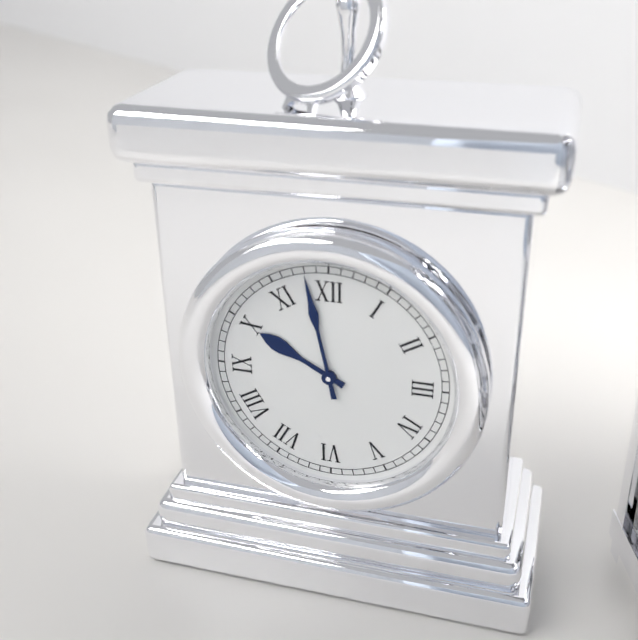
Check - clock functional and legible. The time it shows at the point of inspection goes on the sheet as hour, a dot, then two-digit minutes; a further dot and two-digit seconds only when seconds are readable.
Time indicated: 9.58
